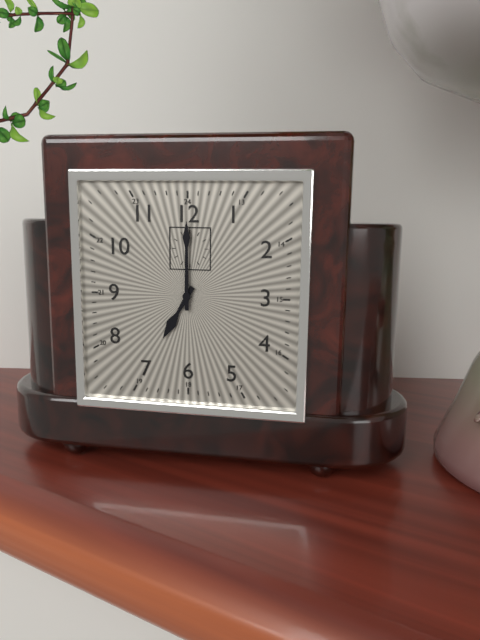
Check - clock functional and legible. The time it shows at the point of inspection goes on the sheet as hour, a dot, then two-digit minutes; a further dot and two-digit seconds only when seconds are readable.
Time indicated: 7.00
